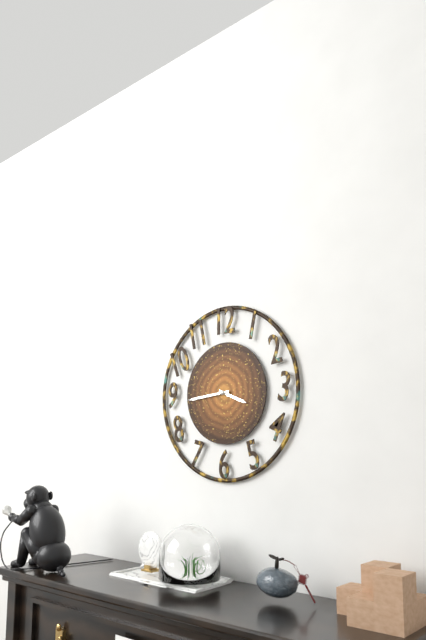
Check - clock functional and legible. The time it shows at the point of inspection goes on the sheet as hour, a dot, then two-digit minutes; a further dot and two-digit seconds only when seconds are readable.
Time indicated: 3.44
